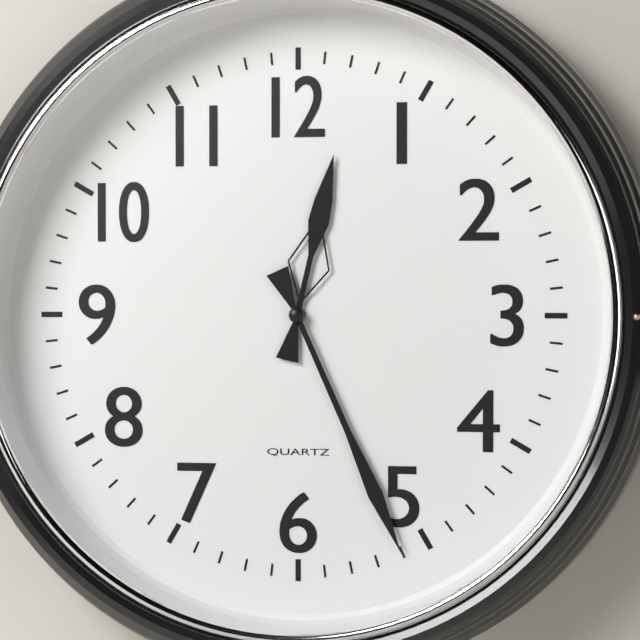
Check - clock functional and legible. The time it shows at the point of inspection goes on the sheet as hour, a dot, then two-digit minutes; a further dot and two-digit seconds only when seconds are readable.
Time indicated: 12.26
